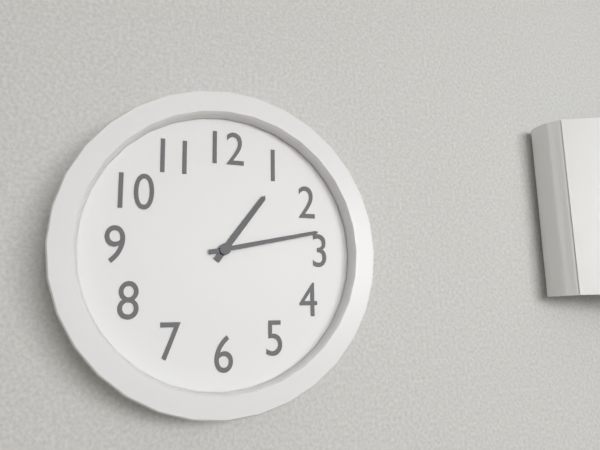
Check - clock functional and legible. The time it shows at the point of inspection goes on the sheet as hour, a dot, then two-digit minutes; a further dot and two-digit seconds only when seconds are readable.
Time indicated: 1.13
